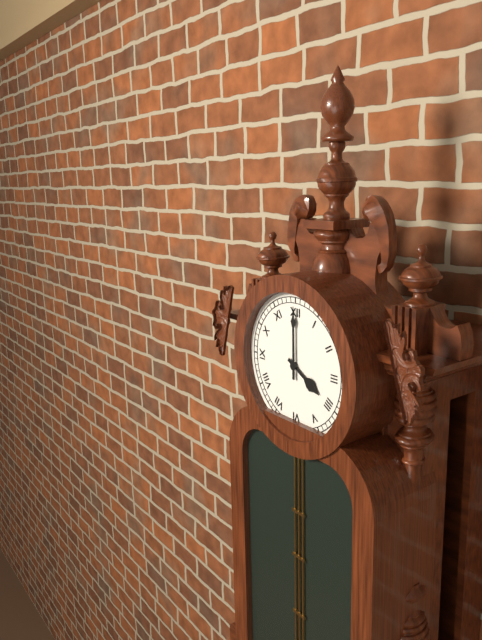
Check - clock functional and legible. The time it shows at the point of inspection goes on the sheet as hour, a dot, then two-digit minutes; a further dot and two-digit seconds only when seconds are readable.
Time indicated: 4.00
